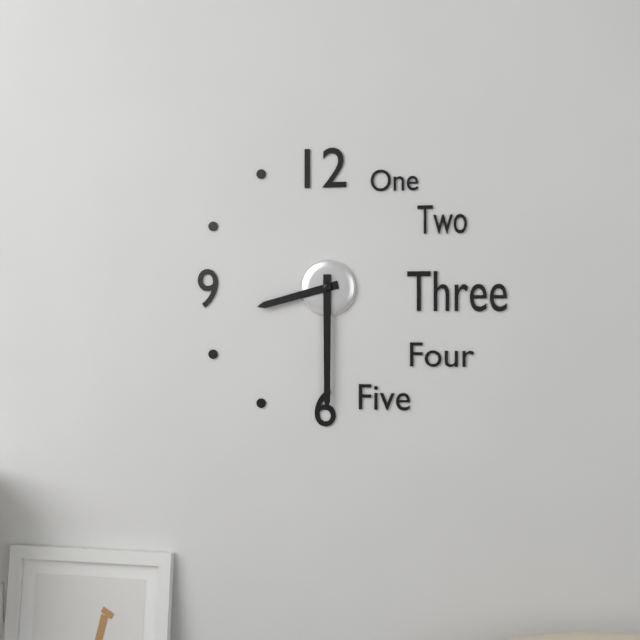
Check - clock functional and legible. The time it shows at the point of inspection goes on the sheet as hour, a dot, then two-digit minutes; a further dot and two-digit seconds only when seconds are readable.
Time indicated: 8.30
